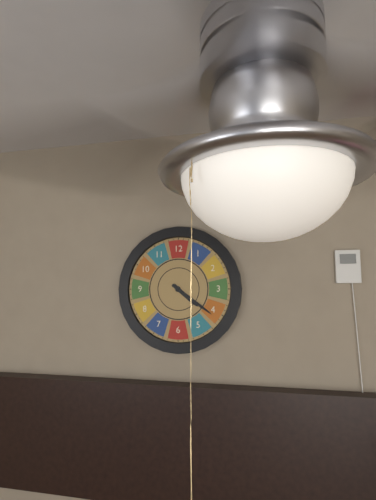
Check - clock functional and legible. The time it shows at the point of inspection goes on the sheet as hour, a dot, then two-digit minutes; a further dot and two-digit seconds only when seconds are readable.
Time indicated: 4.21
